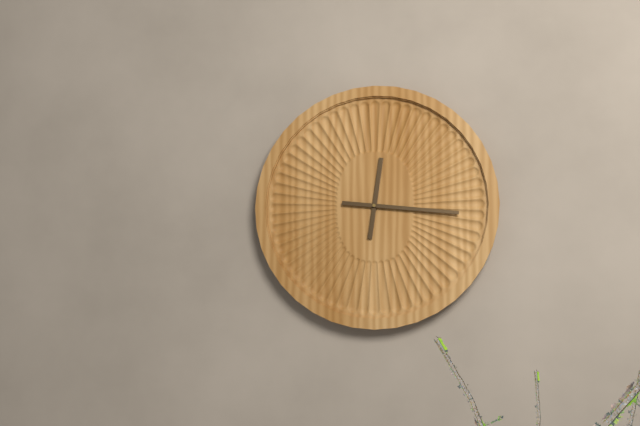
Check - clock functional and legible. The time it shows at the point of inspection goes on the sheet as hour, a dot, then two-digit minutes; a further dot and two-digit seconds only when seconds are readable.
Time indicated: 12.16
